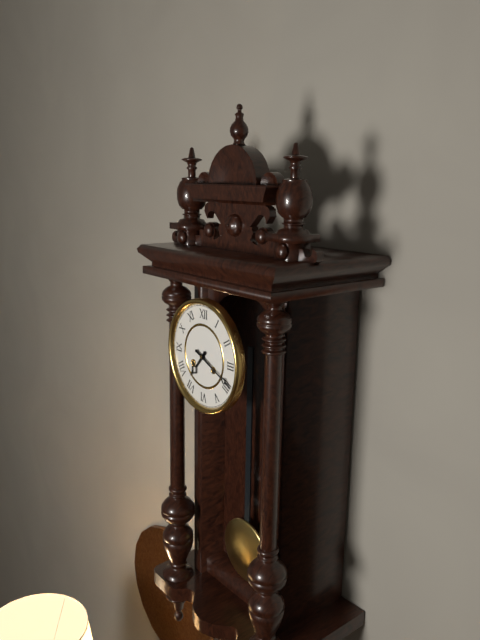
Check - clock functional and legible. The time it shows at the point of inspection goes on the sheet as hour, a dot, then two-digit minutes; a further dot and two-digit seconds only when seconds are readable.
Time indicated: 7.19
